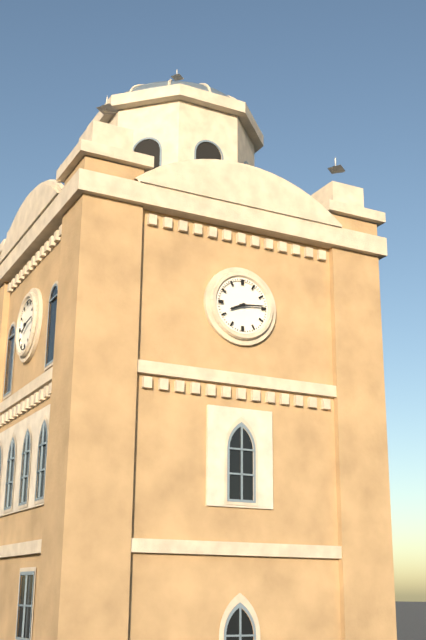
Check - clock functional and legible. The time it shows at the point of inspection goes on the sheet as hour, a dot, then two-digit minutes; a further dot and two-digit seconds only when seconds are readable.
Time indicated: 8.14
